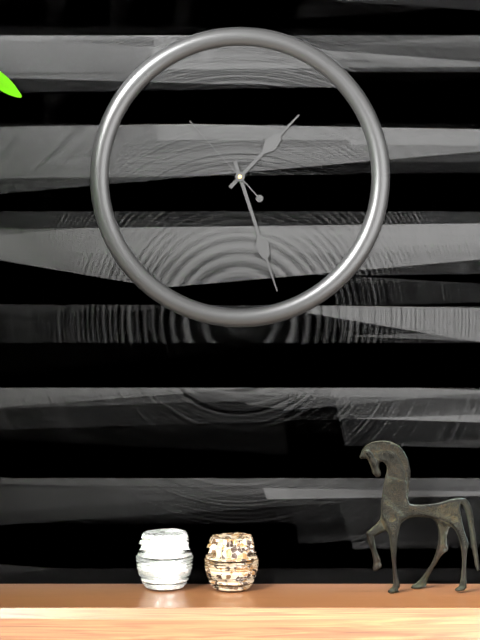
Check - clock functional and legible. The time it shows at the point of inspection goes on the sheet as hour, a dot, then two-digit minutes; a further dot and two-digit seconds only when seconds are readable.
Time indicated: 1.27.53
